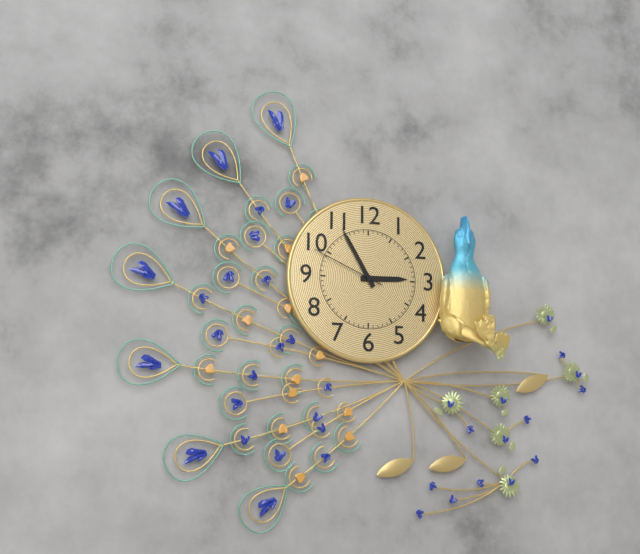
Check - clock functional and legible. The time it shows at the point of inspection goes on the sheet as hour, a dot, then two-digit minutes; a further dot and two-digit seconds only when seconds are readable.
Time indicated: 2.55.49
